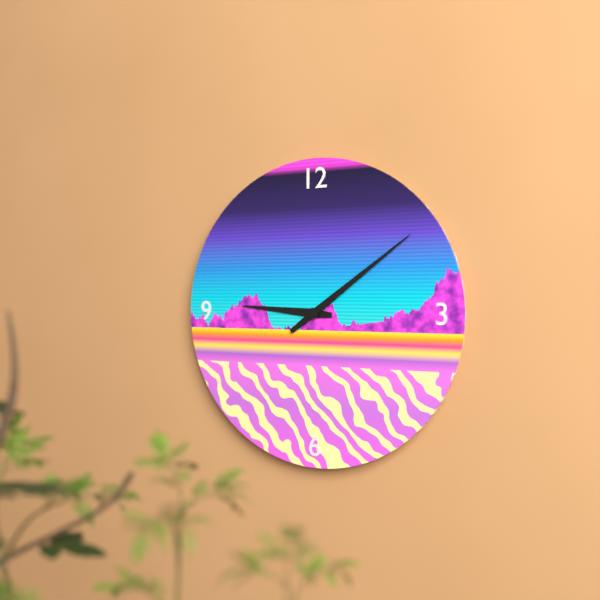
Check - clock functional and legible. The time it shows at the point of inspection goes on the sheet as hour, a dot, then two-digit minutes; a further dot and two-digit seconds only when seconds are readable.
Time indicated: 9.09
